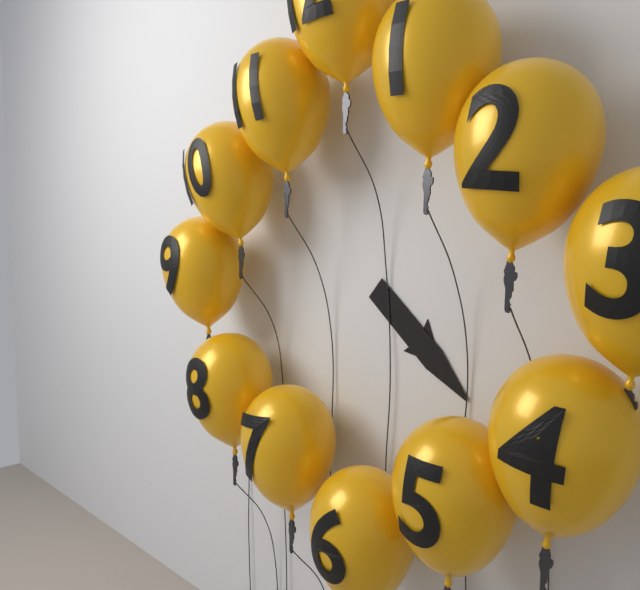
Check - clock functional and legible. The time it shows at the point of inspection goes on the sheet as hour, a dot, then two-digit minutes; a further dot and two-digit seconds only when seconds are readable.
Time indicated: 4.22
